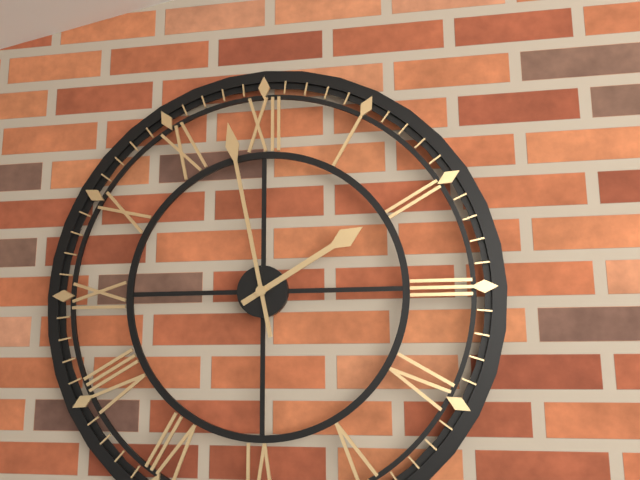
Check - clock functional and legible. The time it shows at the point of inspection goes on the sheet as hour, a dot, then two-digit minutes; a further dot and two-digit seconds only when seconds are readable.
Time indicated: 1.58
